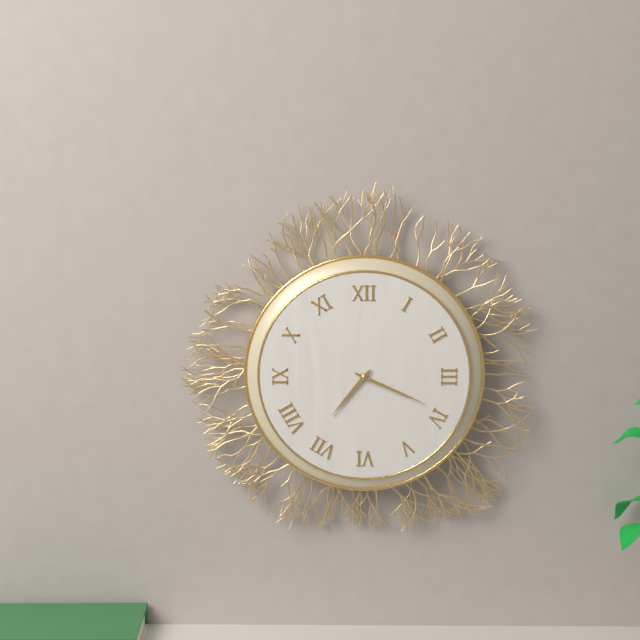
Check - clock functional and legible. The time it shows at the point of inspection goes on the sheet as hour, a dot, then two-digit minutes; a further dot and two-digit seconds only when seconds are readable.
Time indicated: 7.19
